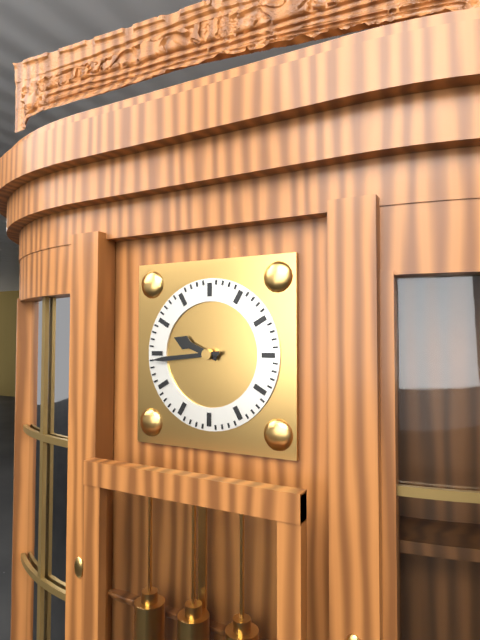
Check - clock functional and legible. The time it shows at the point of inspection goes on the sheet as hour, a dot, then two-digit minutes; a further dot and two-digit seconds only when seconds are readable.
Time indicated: 9.44
